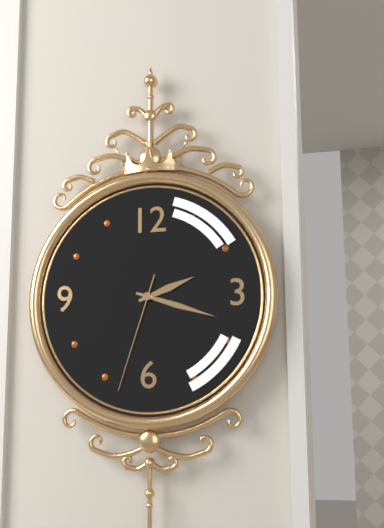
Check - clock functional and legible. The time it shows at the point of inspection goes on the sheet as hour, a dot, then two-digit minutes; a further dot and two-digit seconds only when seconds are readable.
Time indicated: 2.18.33
